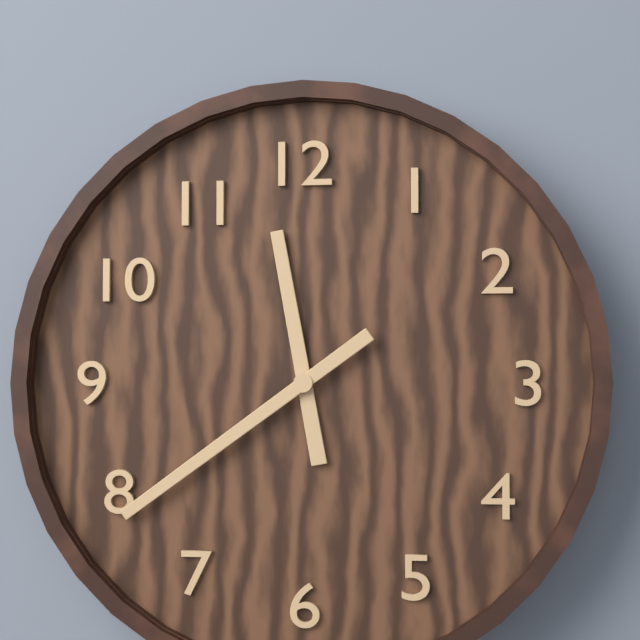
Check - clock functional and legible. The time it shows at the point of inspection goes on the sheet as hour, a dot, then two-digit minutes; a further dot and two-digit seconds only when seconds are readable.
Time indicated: 11.39
